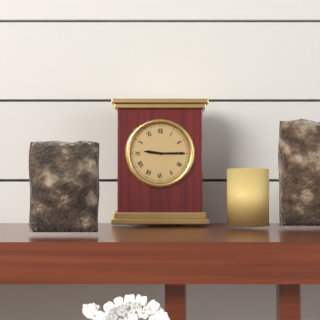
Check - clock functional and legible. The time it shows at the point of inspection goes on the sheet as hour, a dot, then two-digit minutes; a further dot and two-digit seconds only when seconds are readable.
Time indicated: 9.15
